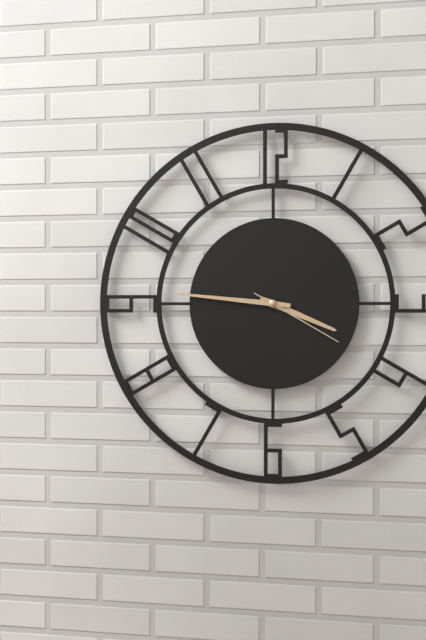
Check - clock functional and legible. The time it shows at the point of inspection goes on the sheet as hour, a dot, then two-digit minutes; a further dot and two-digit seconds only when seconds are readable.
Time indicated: 3.46.20
